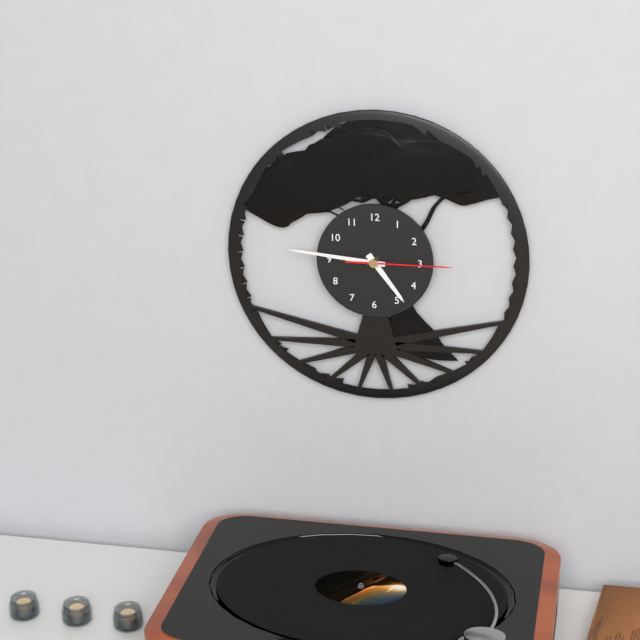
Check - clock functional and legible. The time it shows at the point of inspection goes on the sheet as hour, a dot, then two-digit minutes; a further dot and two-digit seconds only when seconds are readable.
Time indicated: 4.46.15
